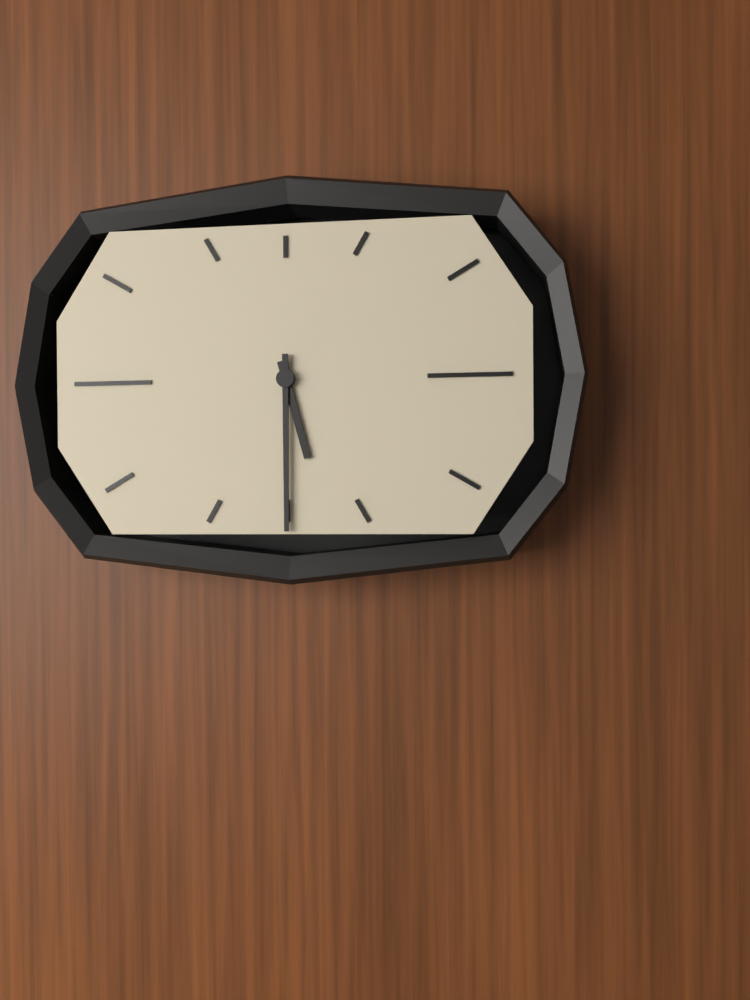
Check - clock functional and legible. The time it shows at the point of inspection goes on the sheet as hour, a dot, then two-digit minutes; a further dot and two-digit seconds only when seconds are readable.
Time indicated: 5.30
